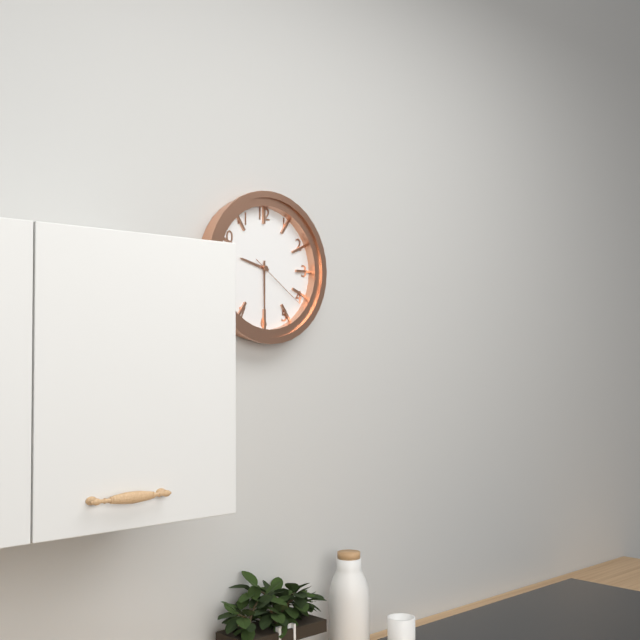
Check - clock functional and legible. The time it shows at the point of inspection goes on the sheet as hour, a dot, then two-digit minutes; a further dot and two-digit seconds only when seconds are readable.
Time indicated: 9.30.21
